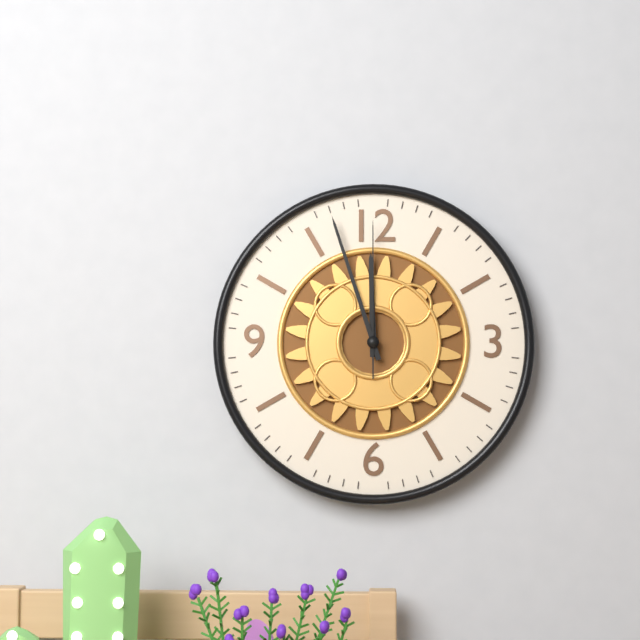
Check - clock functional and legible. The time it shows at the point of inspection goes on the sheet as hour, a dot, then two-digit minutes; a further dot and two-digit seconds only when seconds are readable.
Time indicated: 11.57.00
